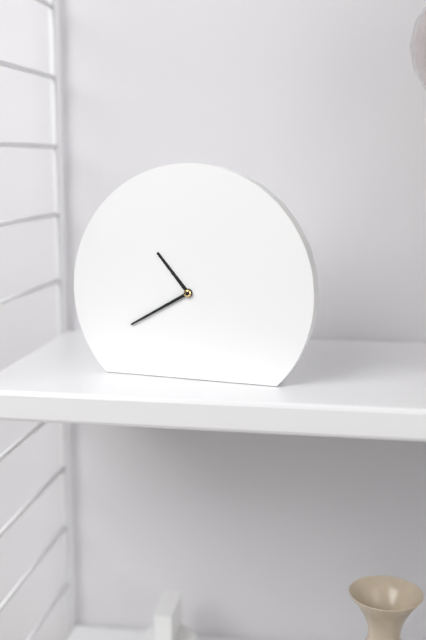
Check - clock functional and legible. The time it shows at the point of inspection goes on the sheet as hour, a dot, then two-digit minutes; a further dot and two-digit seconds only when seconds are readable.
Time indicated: 10.40
